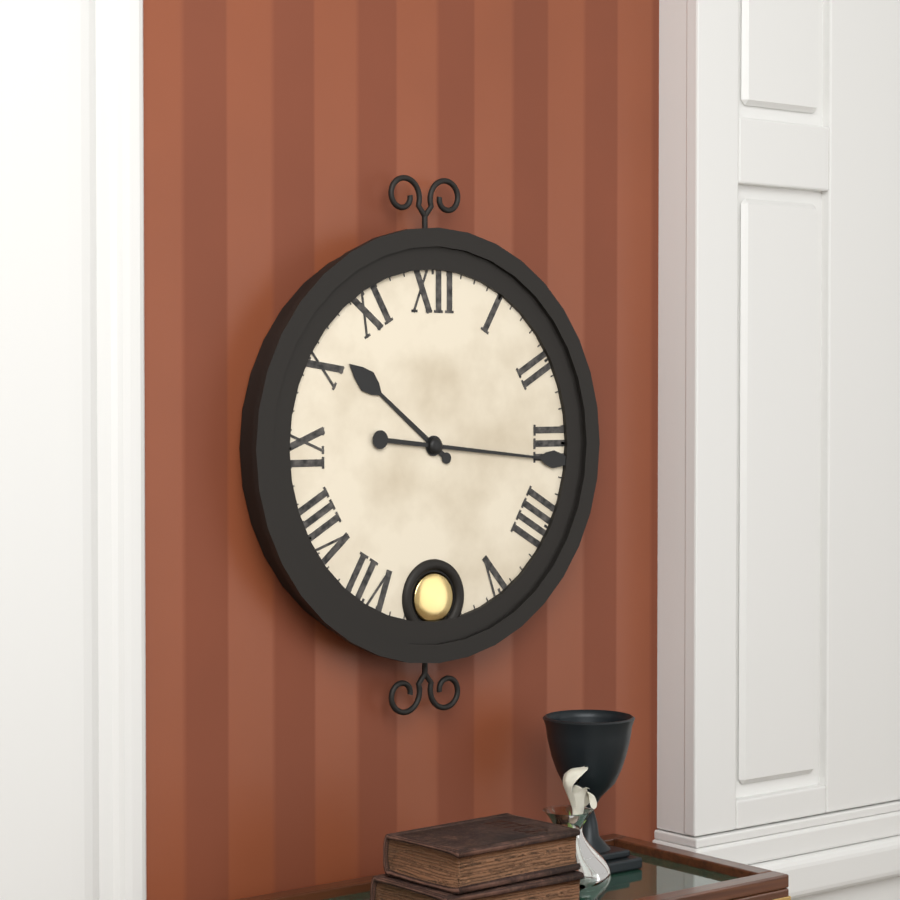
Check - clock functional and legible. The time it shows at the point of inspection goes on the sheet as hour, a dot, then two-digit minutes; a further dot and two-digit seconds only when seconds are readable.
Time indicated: 10.16
